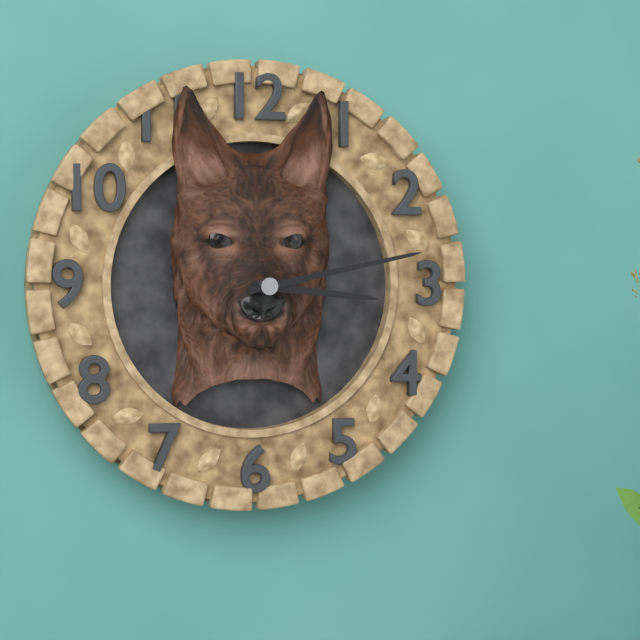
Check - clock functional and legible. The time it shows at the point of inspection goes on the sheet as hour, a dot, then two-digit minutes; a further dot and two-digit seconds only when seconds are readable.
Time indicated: 3.13
